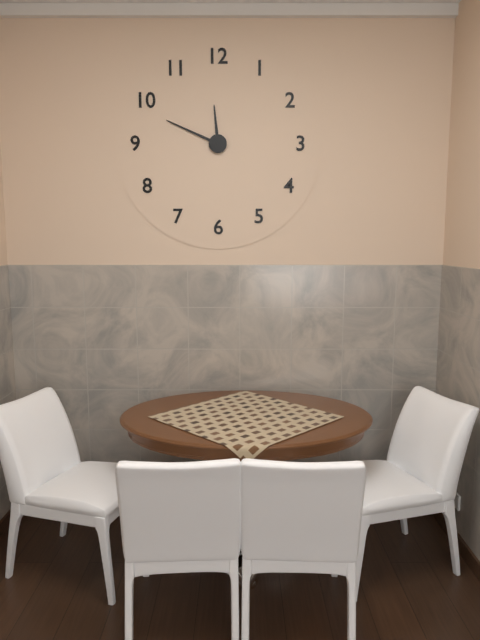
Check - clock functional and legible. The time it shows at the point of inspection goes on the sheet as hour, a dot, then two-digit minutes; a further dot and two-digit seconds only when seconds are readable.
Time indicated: 11.49
